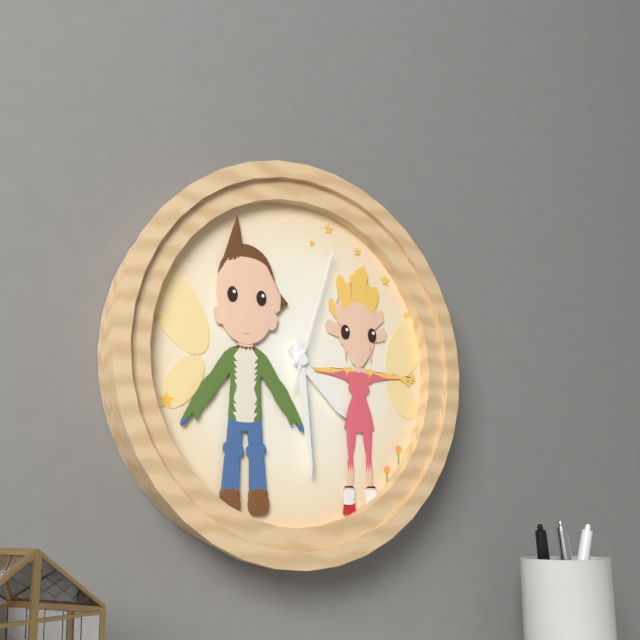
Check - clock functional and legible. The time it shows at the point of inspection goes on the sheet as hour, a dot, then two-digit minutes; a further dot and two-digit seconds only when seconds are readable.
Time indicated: 4.29.03
